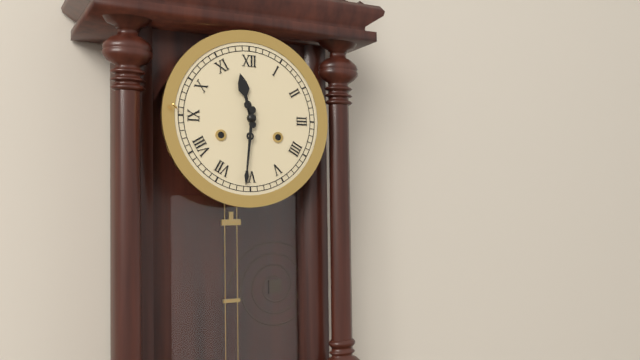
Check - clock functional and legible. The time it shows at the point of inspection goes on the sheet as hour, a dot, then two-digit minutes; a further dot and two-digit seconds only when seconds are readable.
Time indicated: 11.31
